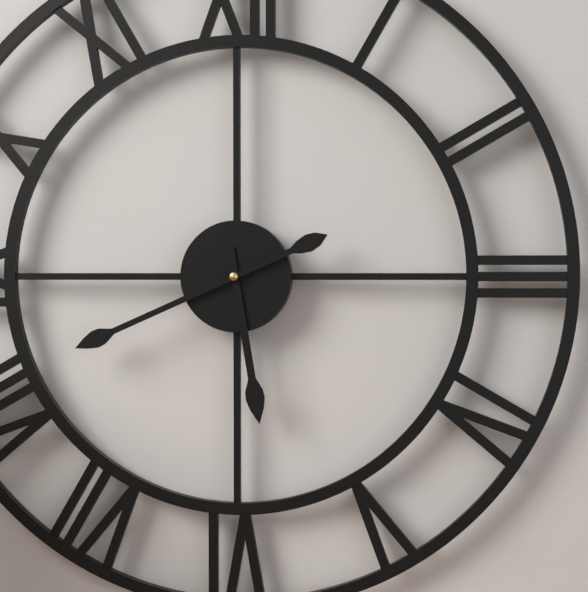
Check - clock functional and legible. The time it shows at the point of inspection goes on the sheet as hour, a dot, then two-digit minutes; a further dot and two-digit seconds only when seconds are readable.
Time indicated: 5.41
